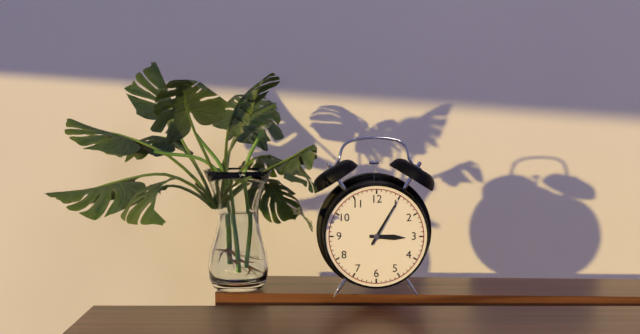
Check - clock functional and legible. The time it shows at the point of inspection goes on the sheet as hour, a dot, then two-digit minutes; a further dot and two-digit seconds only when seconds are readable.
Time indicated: 3.05
